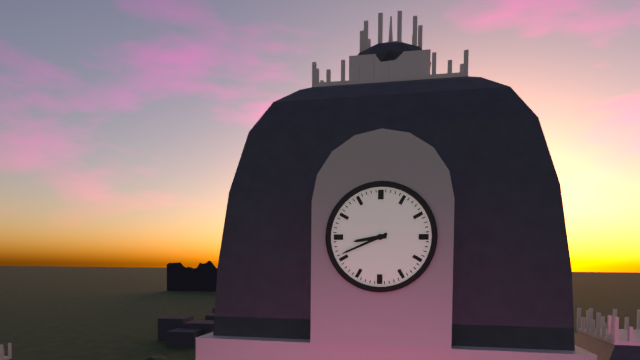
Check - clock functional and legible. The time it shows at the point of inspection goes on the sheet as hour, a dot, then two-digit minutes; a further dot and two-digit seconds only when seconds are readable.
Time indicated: 8.41
